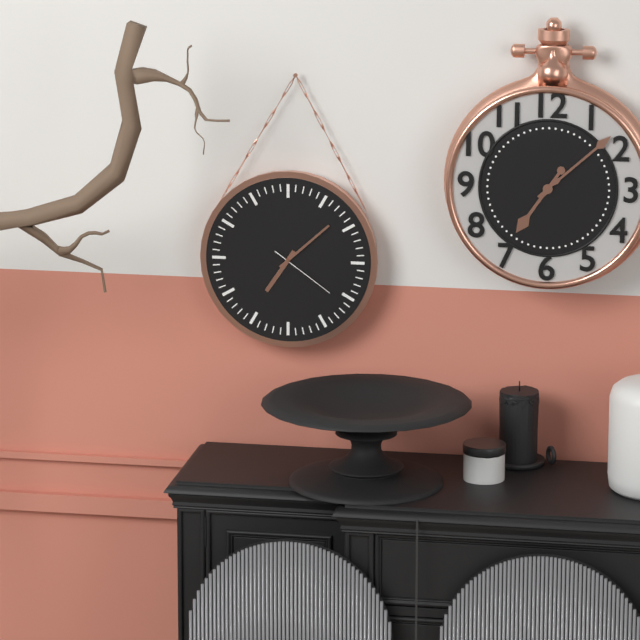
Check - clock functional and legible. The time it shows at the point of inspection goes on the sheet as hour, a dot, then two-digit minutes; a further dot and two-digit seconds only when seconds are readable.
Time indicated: 7.08.21
